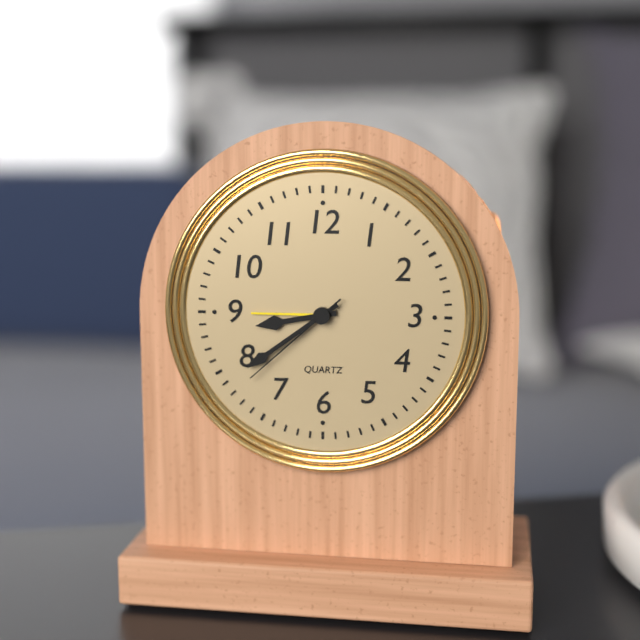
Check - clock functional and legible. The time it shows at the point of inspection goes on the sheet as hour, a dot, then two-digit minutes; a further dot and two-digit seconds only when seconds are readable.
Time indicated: 8.39.38
